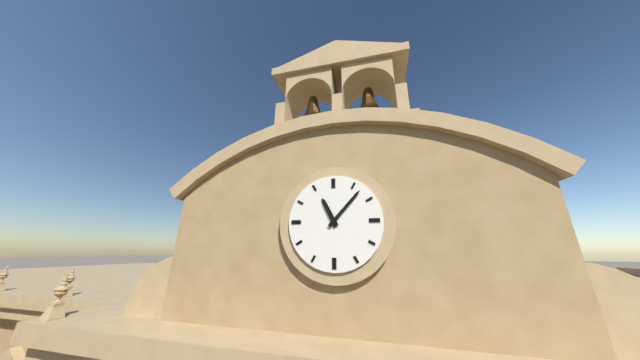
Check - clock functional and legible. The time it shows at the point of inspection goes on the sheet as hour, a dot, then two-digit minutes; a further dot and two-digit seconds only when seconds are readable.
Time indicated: 11.07
